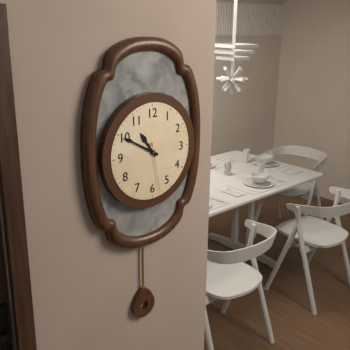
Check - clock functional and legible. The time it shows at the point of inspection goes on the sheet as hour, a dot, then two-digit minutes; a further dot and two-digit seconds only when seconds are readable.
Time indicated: 10.50.28
